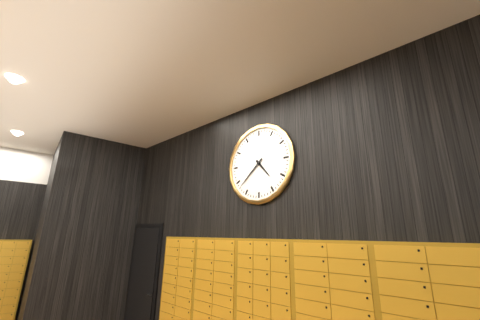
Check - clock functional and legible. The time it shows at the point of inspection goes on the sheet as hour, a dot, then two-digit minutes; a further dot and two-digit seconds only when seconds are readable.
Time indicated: 4.38
